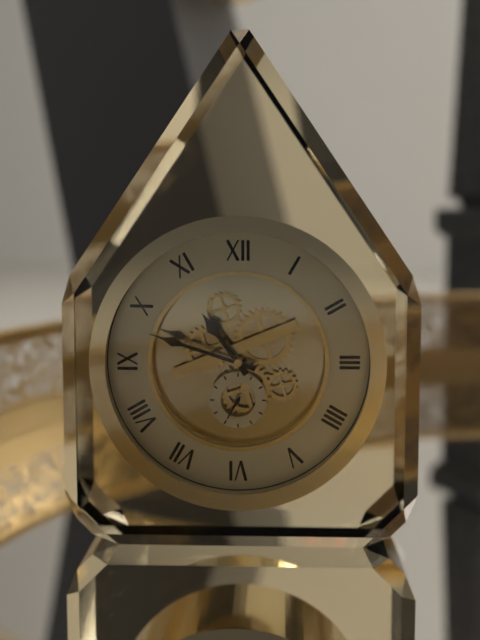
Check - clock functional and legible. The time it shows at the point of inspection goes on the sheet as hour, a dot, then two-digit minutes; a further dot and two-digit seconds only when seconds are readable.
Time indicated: 10.48
